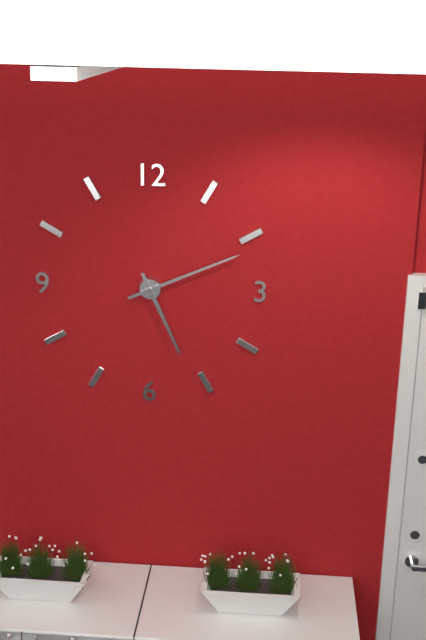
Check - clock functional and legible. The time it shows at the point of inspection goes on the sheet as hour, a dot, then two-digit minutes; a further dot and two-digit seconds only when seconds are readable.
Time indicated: 5.11
